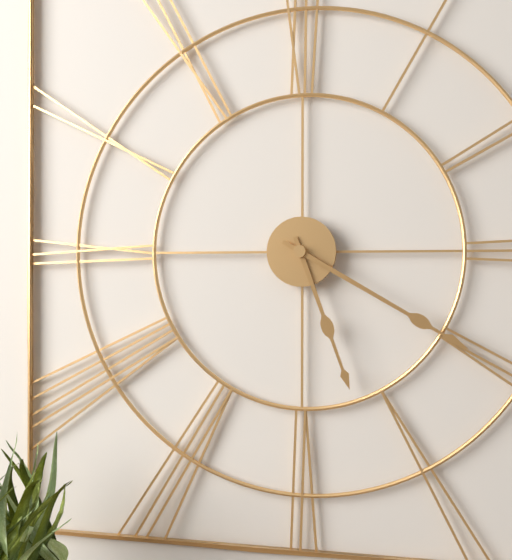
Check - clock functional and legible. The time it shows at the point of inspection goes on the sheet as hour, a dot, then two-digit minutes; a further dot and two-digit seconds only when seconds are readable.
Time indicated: 5.20
